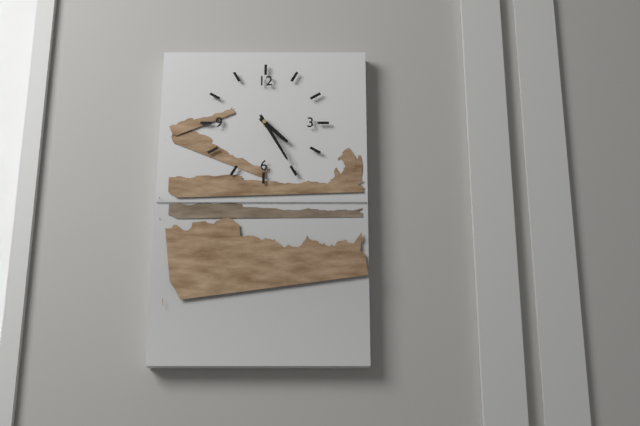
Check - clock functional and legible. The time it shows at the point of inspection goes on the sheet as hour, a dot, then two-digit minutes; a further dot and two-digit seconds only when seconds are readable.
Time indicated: 4.25
